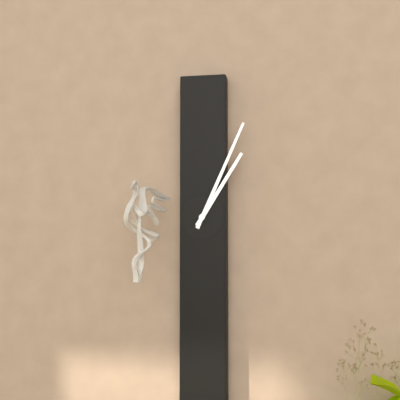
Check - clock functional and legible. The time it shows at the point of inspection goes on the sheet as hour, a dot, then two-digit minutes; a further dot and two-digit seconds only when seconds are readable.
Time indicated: 1.04
